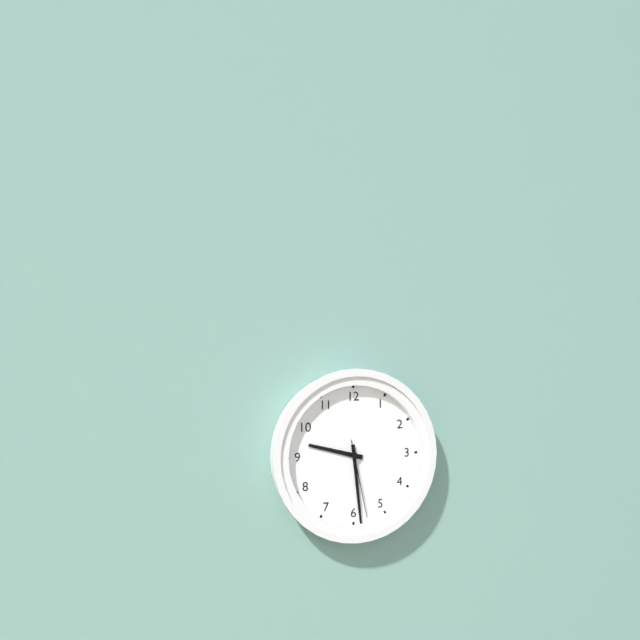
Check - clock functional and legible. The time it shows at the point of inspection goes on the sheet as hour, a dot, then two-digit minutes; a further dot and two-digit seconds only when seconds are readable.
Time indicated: 9.29.28
